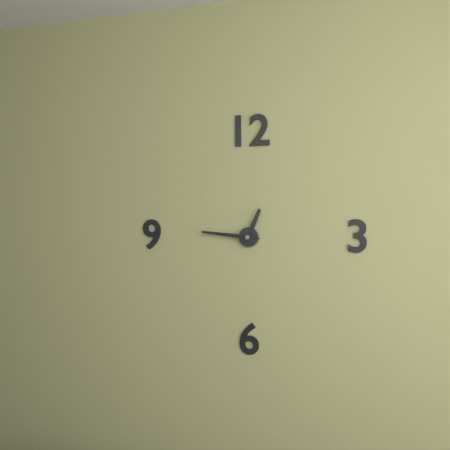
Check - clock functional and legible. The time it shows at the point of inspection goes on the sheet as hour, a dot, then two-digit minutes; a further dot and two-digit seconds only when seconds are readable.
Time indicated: 12.46
